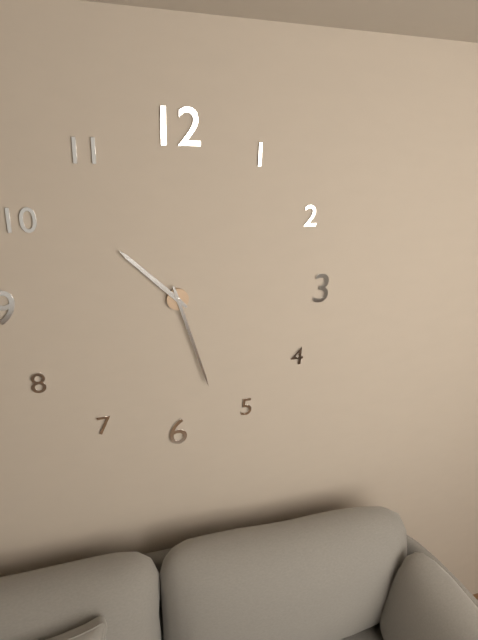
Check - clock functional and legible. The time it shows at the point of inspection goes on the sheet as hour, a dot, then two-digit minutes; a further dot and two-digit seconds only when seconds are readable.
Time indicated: 10.27
